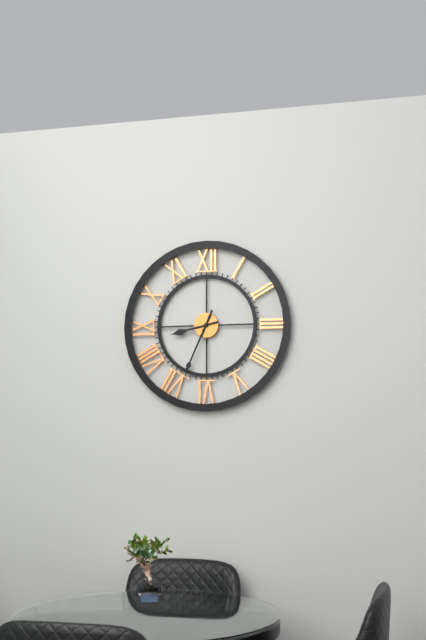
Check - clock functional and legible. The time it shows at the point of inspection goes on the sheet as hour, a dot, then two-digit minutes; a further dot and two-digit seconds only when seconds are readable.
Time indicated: 8.34
